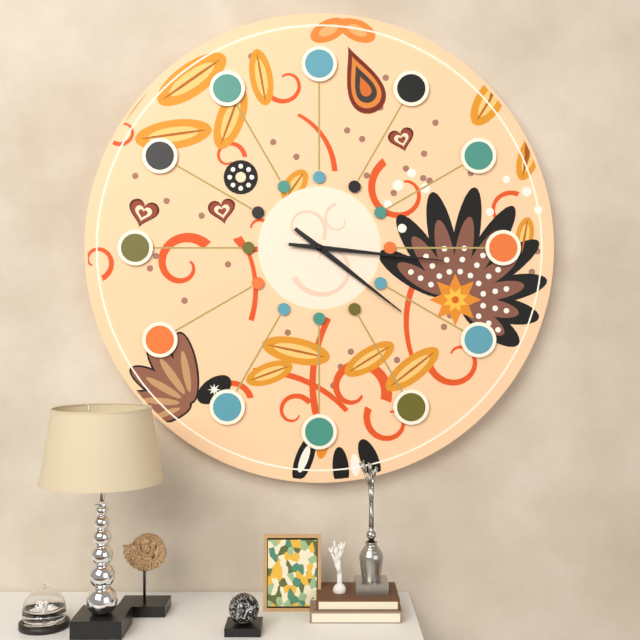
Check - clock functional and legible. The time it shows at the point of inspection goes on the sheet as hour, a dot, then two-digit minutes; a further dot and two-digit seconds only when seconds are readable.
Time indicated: 4.16
